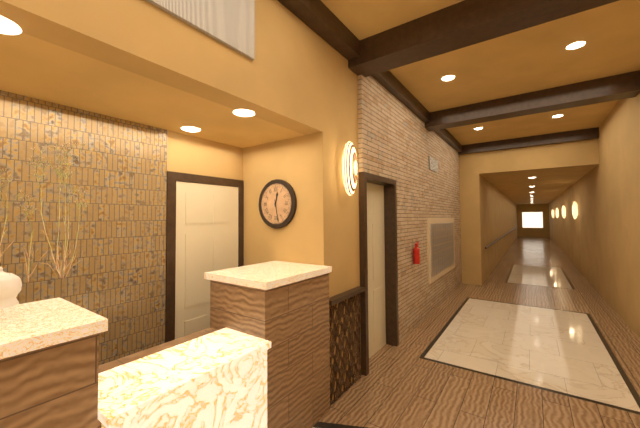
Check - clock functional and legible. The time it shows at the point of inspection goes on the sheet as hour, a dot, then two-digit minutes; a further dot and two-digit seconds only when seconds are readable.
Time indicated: 12.28
